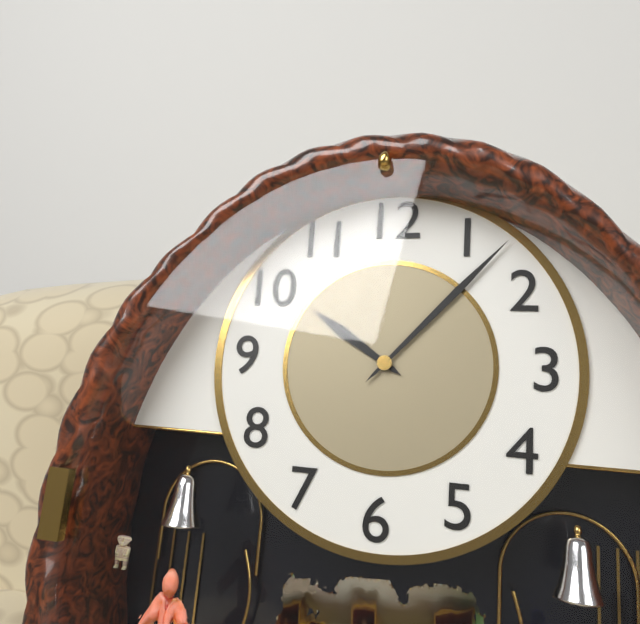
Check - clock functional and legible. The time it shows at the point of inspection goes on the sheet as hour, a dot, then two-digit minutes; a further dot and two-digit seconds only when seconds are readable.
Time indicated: 10.07
